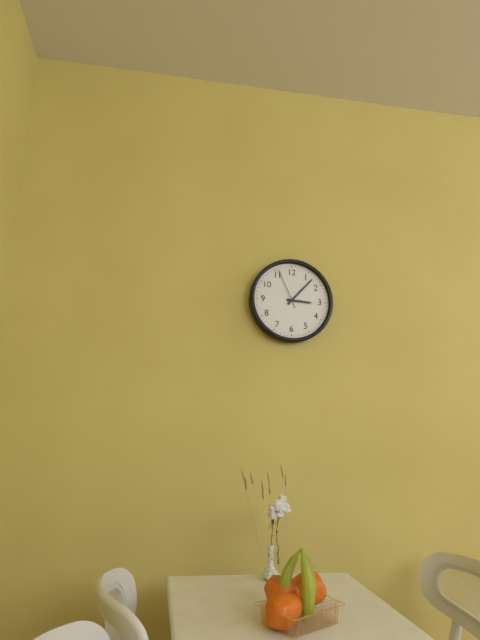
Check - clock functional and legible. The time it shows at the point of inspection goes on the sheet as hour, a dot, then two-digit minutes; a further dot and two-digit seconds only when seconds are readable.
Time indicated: 3.07
